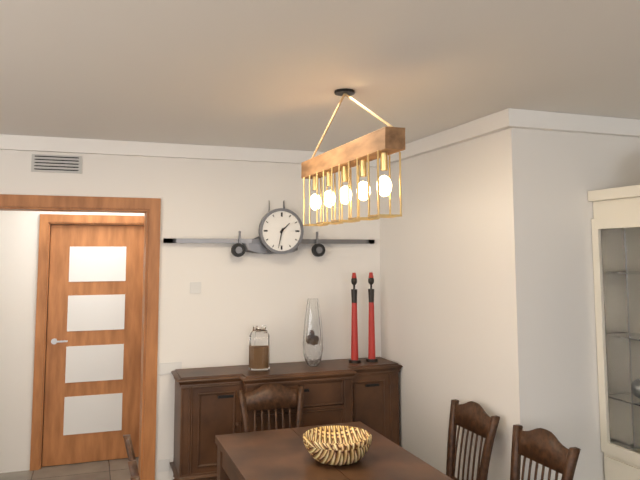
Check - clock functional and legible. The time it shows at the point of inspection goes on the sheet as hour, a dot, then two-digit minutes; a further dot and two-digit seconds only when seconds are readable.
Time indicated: 1.32
